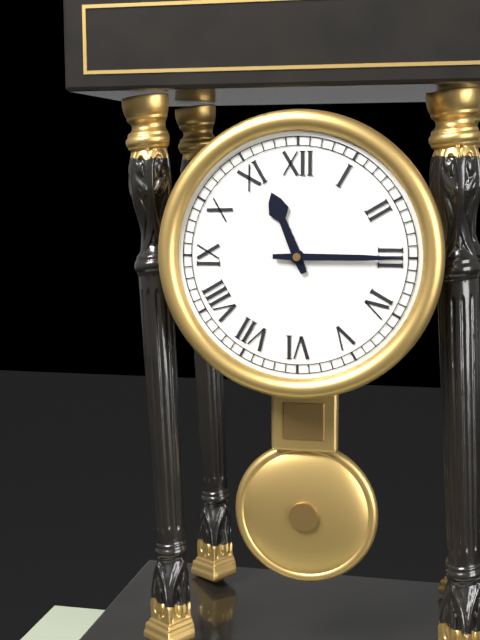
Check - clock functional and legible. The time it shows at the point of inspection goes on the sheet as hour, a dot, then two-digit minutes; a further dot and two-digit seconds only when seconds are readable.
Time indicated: 11.15
